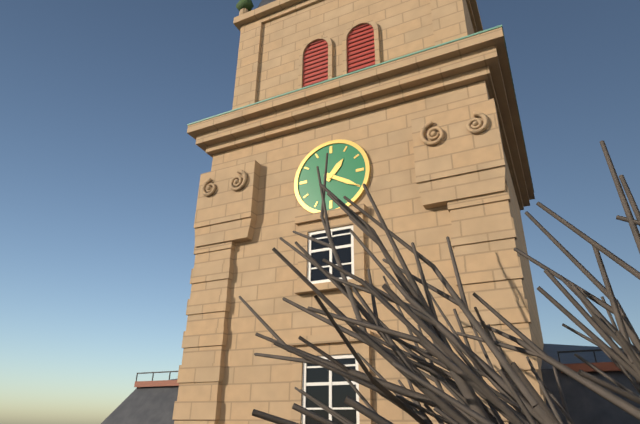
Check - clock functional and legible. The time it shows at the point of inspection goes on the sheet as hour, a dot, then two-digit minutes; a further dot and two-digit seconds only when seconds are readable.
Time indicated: 1.20
